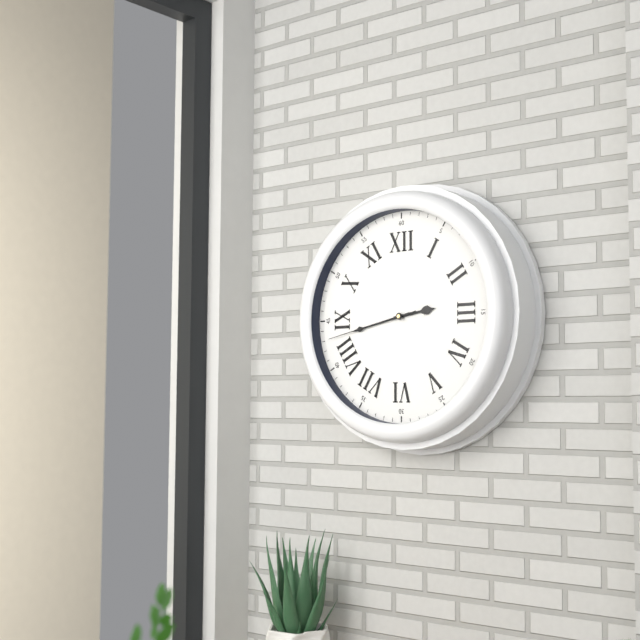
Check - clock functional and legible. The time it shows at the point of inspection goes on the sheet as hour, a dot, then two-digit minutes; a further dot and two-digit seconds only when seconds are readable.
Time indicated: 2.43.43
